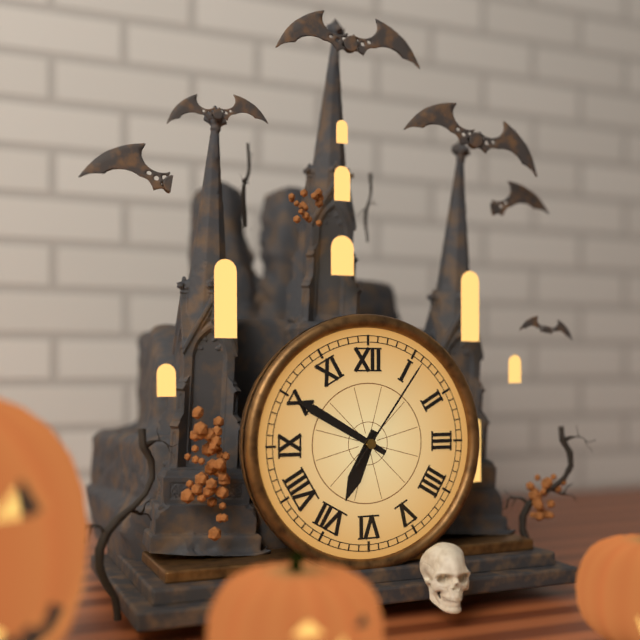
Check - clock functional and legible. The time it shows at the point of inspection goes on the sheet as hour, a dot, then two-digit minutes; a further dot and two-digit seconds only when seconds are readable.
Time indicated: 6.50.06
